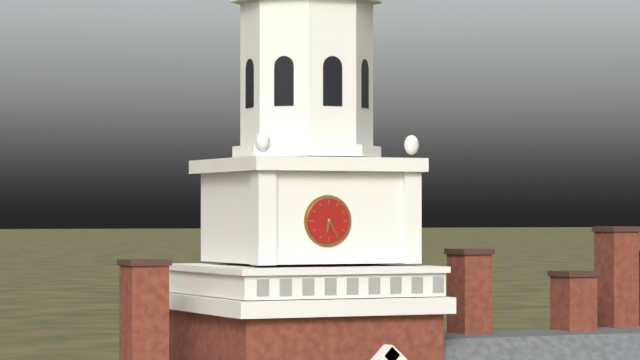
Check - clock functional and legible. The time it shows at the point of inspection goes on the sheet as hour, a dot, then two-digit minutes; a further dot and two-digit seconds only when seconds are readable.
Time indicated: 6.25
